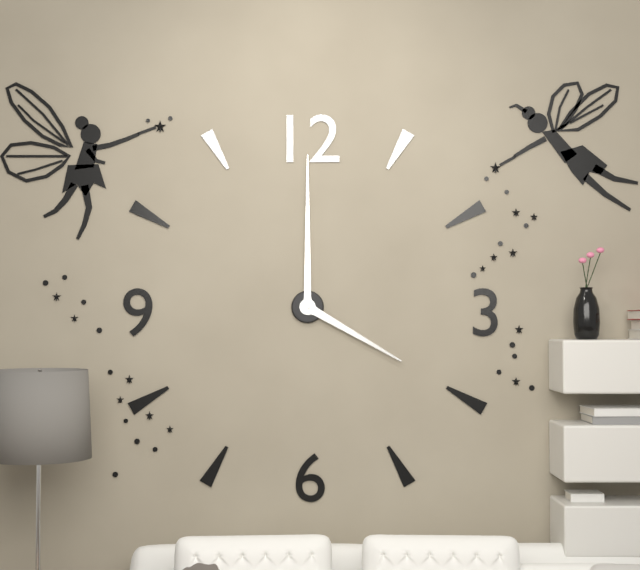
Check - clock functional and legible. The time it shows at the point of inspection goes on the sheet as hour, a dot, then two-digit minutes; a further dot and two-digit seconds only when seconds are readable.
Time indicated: 4.00
